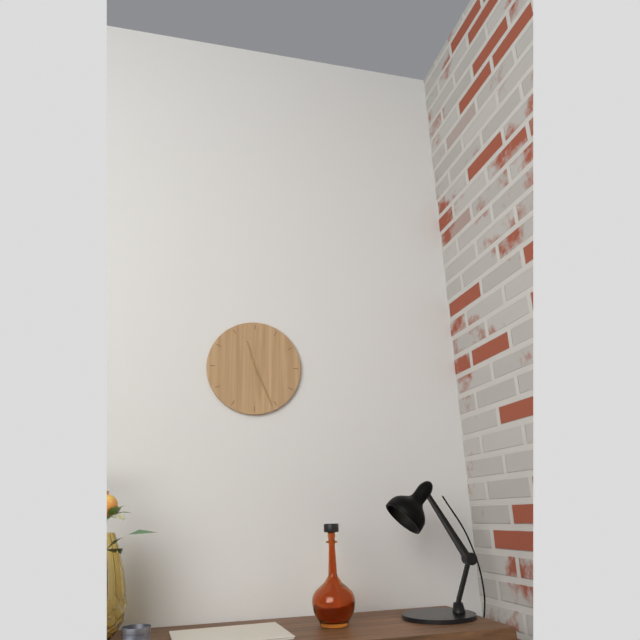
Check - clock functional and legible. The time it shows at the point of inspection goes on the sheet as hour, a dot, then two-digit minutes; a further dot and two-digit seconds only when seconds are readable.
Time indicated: 11.26
